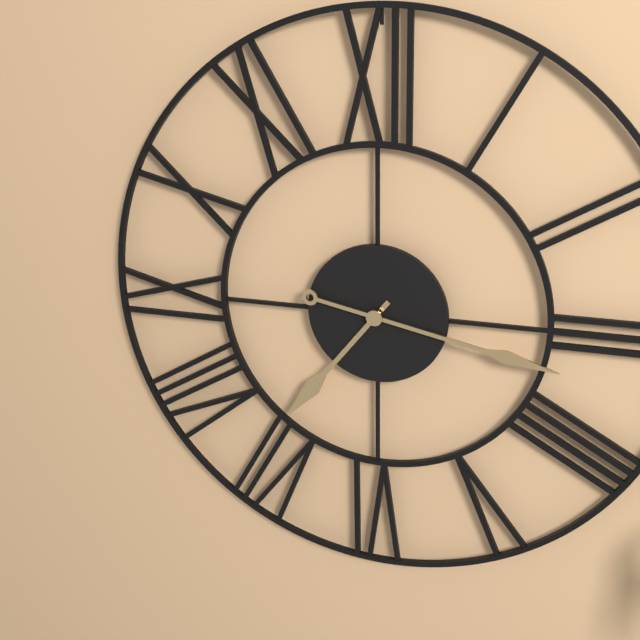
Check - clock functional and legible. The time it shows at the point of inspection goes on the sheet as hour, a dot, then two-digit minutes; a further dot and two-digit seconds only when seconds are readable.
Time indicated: 7.17
